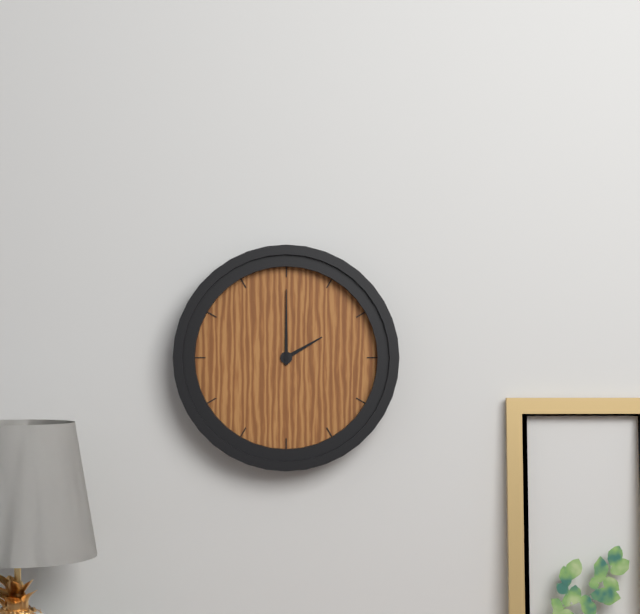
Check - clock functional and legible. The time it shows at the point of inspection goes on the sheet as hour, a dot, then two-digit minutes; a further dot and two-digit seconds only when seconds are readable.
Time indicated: 2.00
